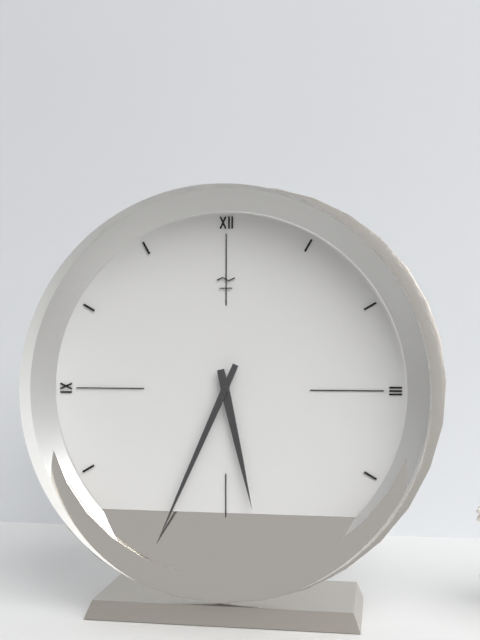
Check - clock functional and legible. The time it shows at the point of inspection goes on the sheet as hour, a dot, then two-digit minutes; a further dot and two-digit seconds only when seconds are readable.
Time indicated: 5.34
